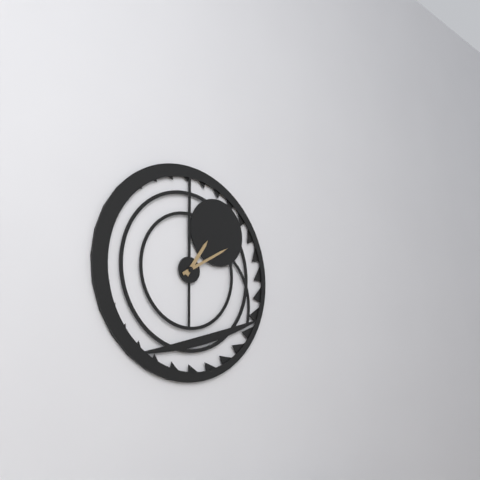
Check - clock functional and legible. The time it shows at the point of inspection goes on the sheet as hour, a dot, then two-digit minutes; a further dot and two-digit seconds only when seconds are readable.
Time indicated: 1.10
